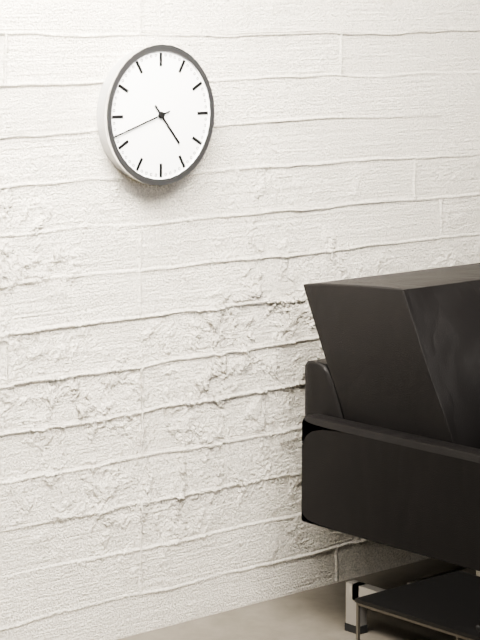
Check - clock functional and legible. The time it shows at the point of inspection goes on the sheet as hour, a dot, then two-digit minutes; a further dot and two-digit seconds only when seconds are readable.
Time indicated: 4.42
